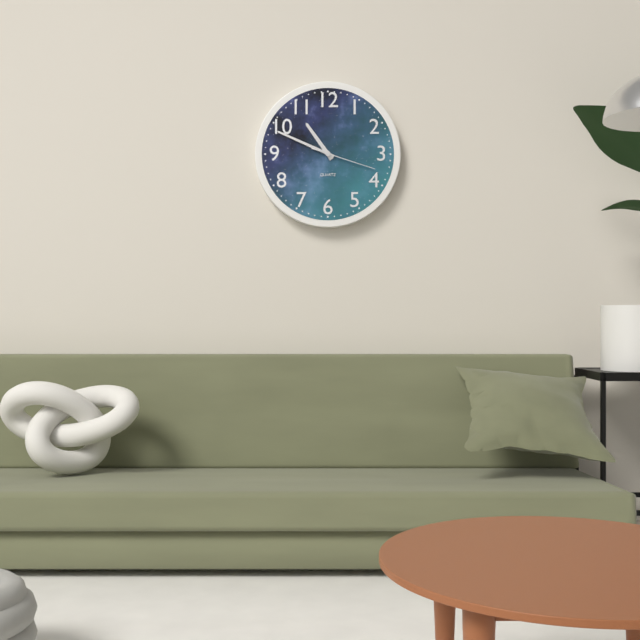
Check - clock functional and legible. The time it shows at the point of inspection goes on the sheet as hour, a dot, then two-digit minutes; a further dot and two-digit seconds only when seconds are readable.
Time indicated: 10.49.18
